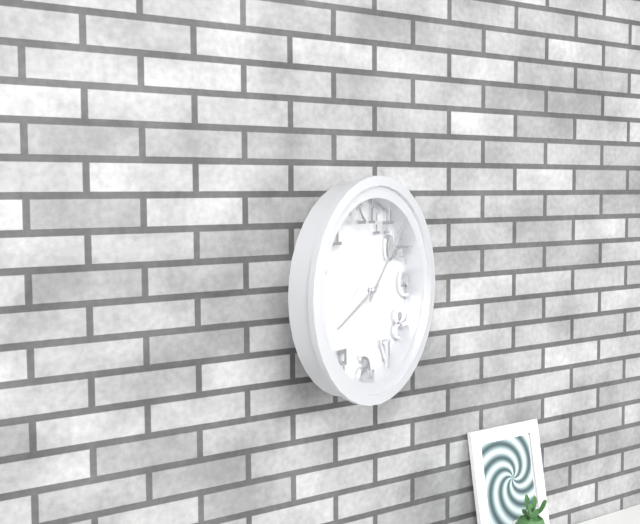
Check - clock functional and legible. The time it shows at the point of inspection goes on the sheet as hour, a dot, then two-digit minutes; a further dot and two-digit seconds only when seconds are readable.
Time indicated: 8.07
